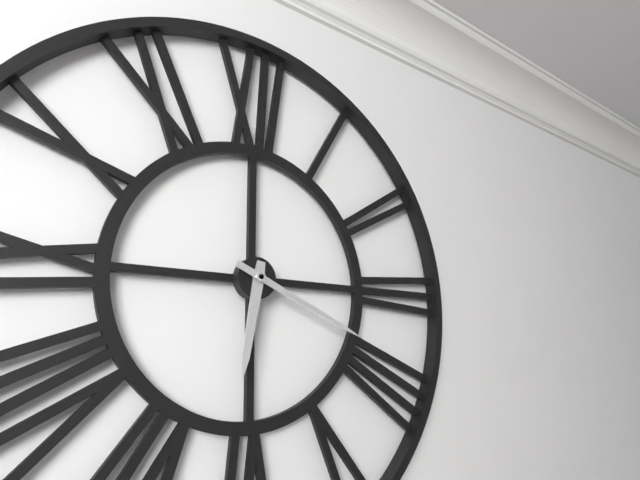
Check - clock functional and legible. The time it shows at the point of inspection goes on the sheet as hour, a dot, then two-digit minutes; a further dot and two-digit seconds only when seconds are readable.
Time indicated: 6.19
